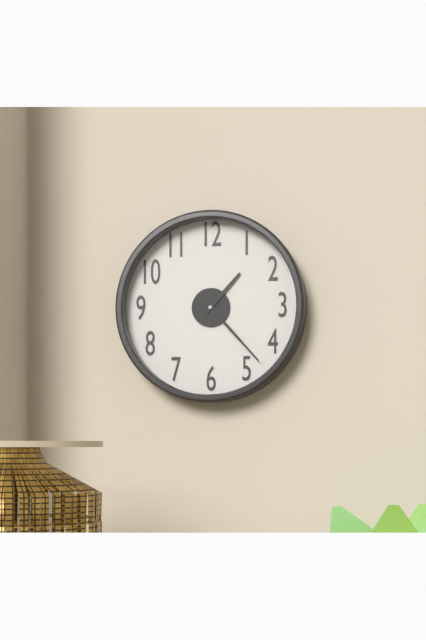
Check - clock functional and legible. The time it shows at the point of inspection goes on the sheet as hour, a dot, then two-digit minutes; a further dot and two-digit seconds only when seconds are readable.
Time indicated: 1.23
